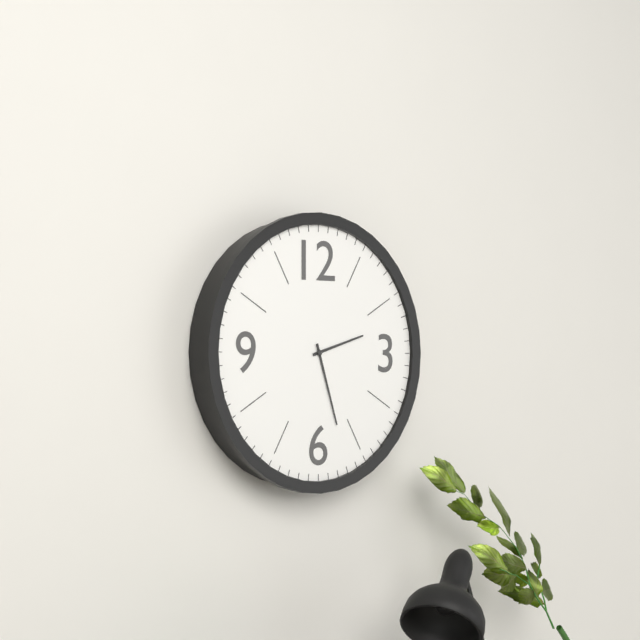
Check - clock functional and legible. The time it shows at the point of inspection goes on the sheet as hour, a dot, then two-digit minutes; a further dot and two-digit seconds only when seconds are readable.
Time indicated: 2.27
